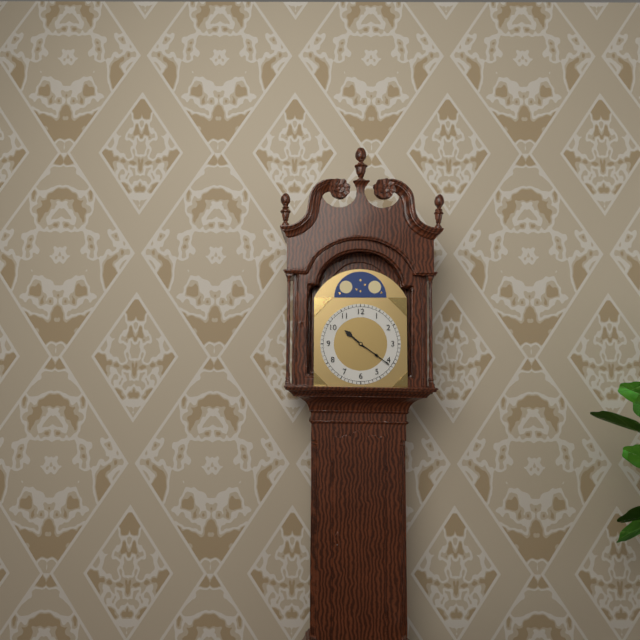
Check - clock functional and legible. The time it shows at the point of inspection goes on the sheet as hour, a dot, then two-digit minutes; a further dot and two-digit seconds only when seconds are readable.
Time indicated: 10.21
